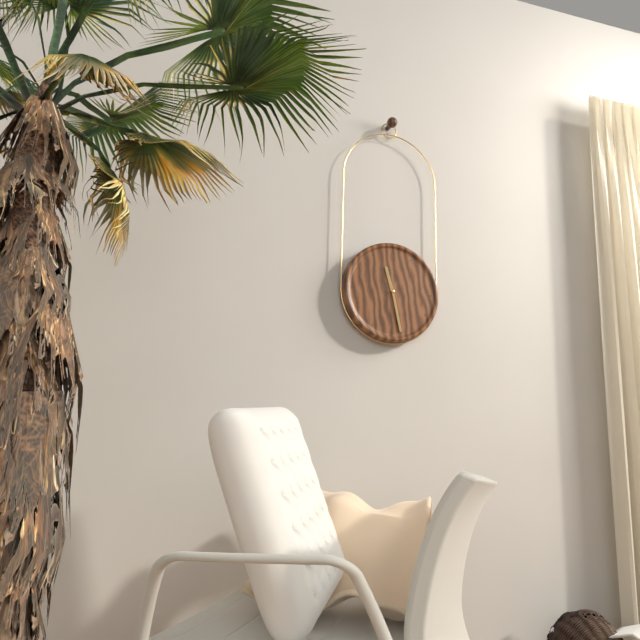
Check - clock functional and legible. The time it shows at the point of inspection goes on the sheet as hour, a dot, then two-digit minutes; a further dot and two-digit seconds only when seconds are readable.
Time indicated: 11.28
